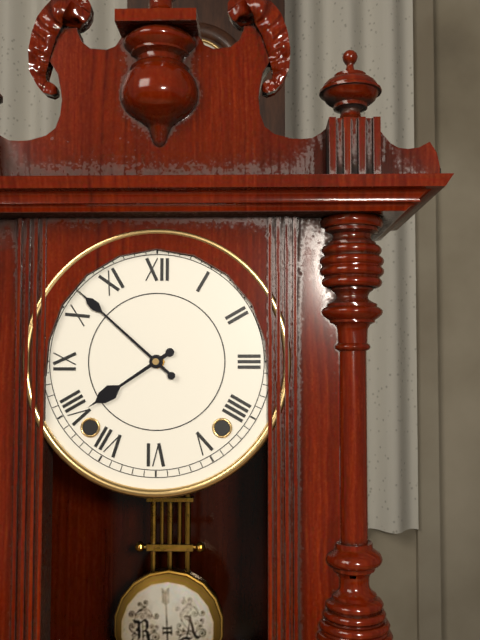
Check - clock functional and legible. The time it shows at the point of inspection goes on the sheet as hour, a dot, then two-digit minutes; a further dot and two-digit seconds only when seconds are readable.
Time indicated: 7.52
